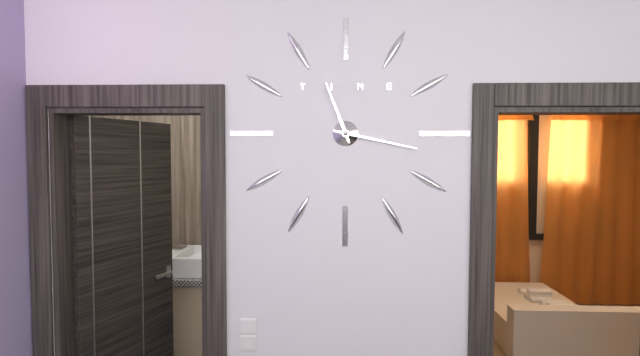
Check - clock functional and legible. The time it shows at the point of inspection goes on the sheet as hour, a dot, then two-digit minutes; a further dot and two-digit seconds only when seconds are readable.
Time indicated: 11.17
